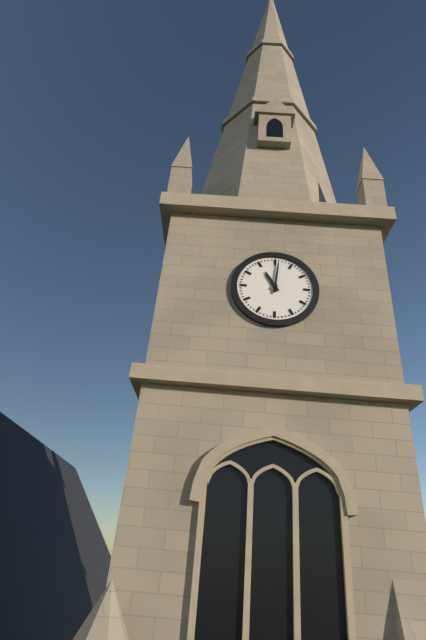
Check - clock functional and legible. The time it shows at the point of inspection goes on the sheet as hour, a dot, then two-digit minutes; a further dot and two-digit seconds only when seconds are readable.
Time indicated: 11.01
